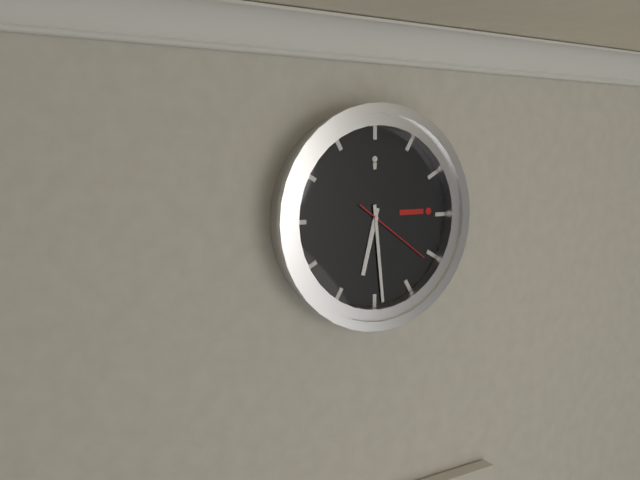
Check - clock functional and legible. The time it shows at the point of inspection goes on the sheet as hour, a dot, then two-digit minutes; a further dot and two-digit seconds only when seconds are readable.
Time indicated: 6.29.21
